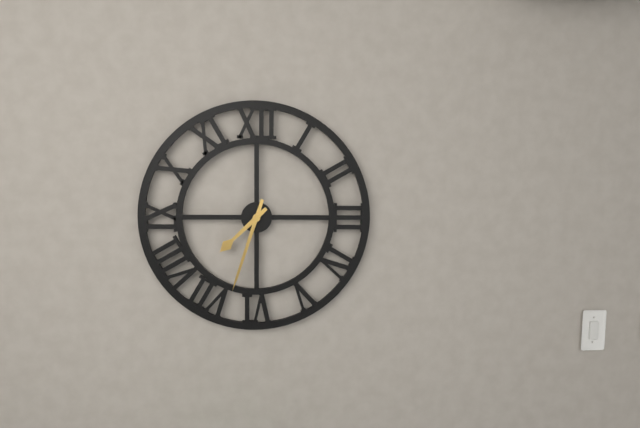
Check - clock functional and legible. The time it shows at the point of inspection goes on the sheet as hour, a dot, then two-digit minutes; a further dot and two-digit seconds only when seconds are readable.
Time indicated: 7.33
